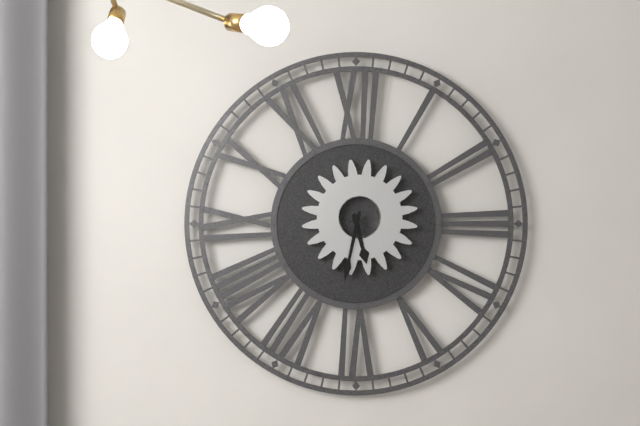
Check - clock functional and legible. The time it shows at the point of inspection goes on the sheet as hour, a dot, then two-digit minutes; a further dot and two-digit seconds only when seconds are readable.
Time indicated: 5.32
